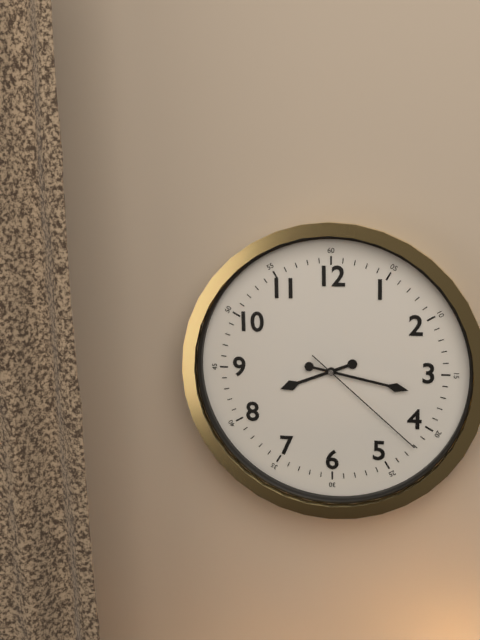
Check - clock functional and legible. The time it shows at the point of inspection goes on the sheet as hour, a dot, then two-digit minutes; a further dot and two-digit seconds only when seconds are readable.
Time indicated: 8.17.22
